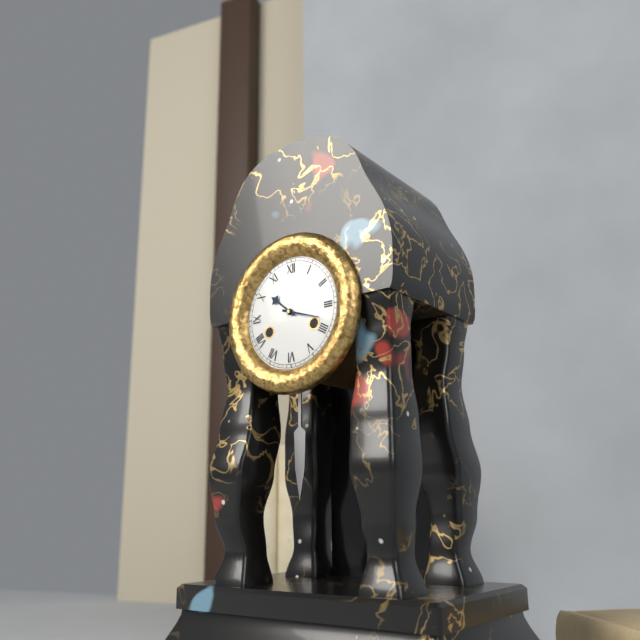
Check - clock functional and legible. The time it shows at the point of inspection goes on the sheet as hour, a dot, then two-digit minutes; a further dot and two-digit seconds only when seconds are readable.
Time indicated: 10.18
